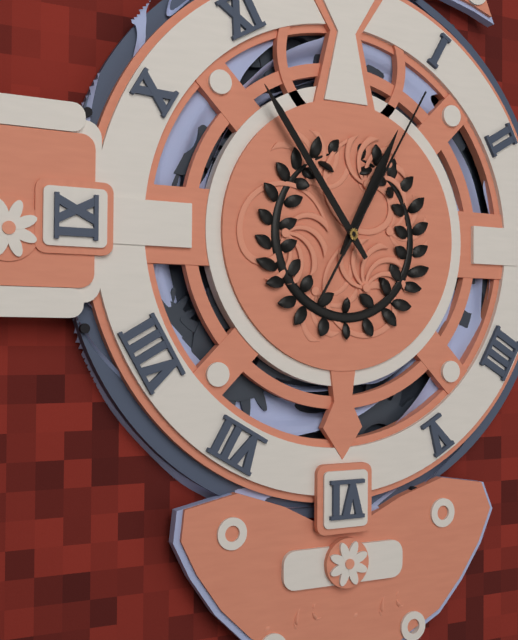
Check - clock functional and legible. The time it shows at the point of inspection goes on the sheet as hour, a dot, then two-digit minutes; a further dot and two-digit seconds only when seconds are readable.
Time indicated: 12.54.05
